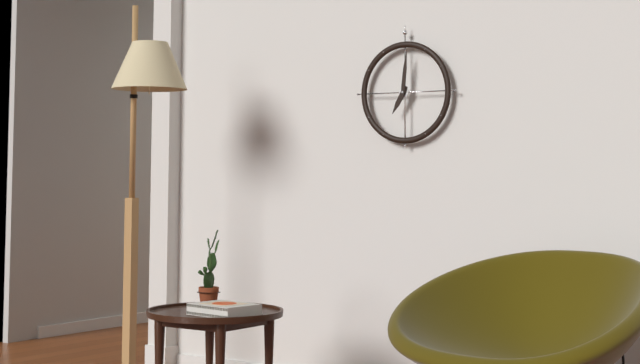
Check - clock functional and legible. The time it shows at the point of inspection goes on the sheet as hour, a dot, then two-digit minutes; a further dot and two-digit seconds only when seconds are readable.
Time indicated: 7.01
